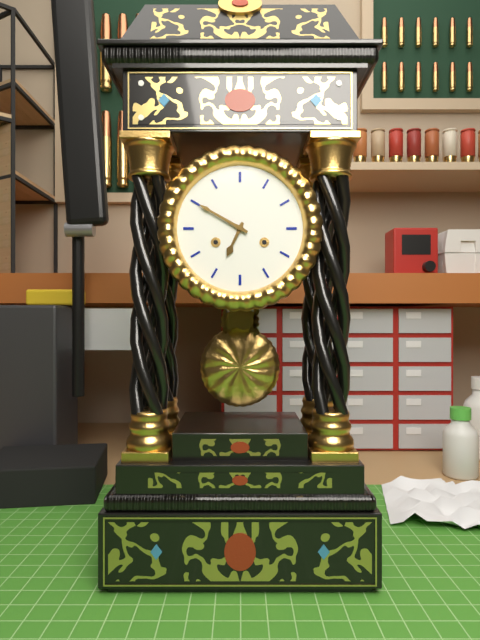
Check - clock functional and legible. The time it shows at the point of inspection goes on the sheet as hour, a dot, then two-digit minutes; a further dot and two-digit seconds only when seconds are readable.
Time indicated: 6.50
